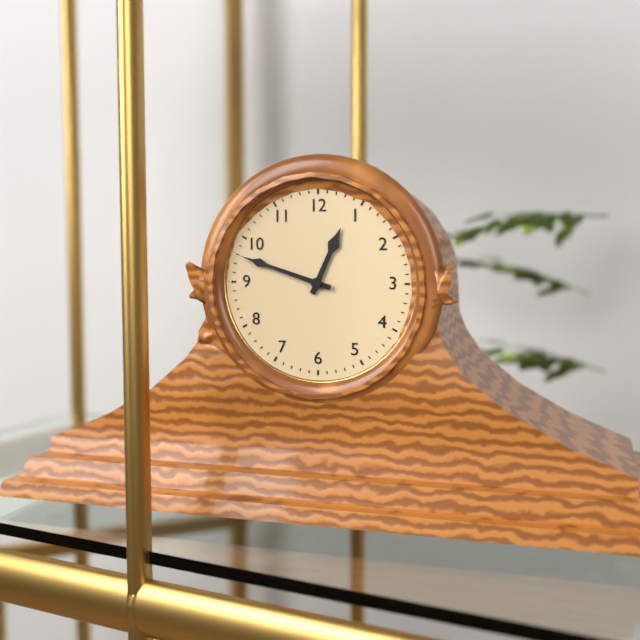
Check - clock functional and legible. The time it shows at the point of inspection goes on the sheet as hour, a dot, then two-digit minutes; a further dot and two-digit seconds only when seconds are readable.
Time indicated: 12.48
